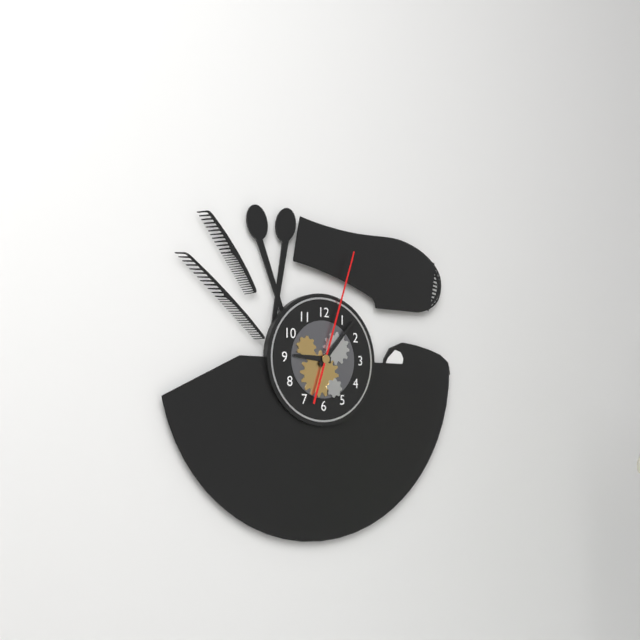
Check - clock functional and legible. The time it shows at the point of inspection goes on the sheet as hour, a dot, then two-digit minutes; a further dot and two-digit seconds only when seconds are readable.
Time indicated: 9.07.03
